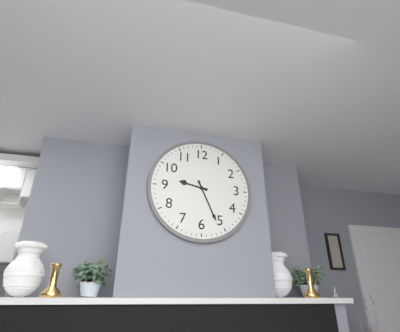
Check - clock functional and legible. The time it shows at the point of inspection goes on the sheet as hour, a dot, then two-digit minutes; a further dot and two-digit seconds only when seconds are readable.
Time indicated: 9.26
